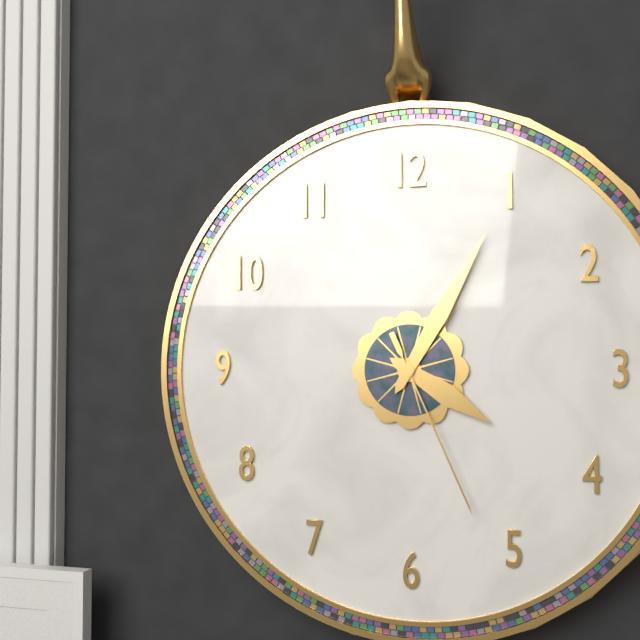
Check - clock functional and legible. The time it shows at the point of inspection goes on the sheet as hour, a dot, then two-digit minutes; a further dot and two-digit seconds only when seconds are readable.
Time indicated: 4.05.26
